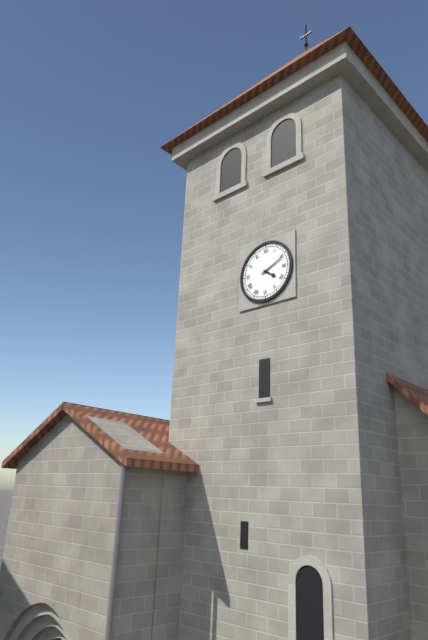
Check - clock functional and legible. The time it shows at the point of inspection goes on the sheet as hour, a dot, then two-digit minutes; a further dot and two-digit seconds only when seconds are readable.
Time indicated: 4.11
